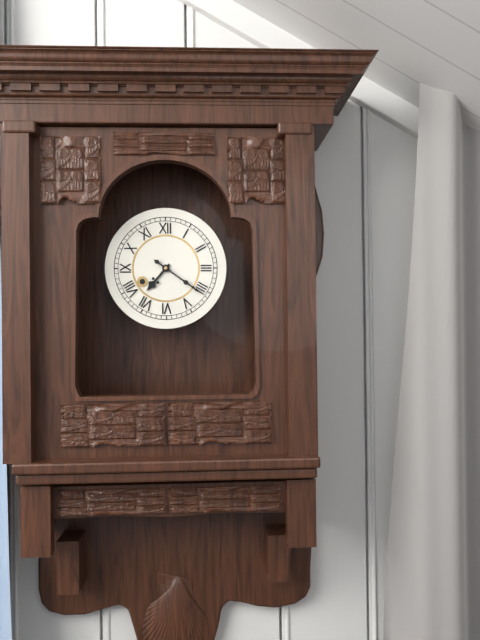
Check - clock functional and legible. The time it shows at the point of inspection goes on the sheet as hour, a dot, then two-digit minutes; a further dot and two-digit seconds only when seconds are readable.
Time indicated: 7.21
